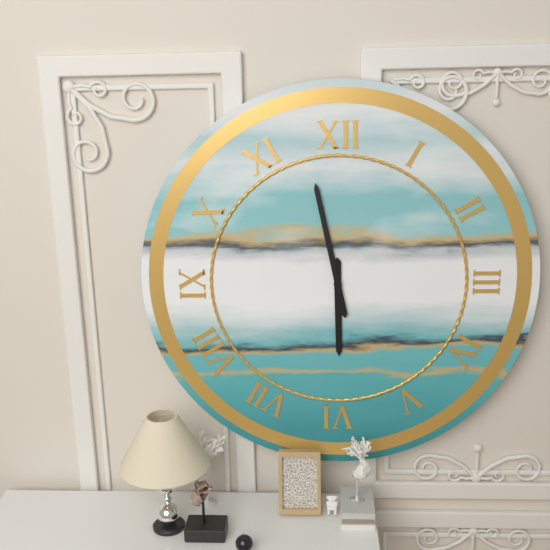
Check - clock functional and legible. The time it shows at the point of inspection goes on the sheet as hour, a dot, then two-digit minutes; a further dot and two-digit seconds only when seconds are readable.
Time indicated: 5.58
